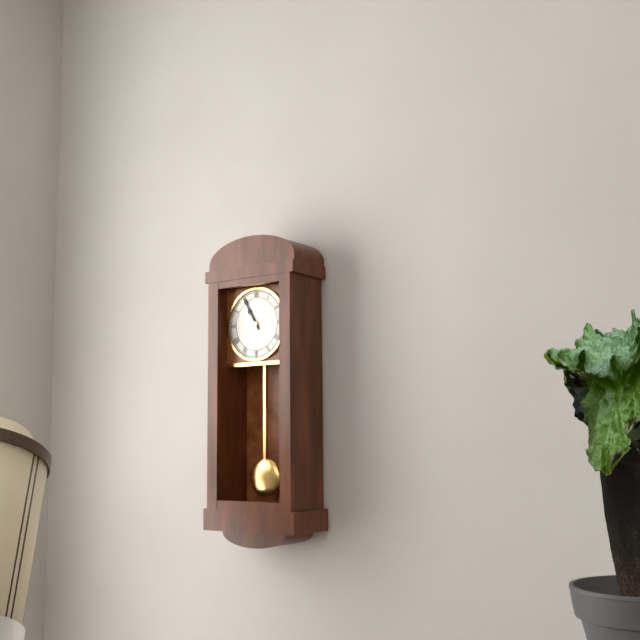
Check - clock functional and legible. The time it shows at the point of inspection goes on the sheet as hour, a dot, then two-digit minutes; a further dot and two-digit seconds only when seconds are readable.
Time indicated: 10.55
